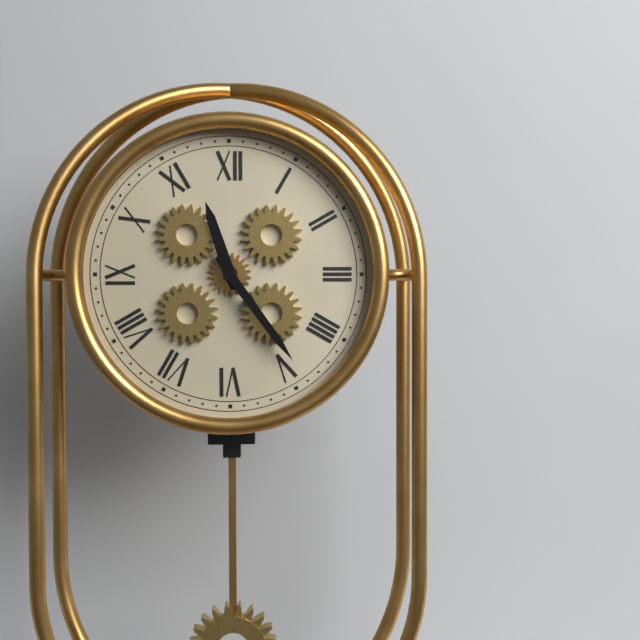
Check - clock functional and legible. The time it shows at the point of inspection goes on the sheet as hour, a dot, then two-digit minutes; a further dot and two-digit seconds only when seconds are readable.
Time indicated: 11.24
